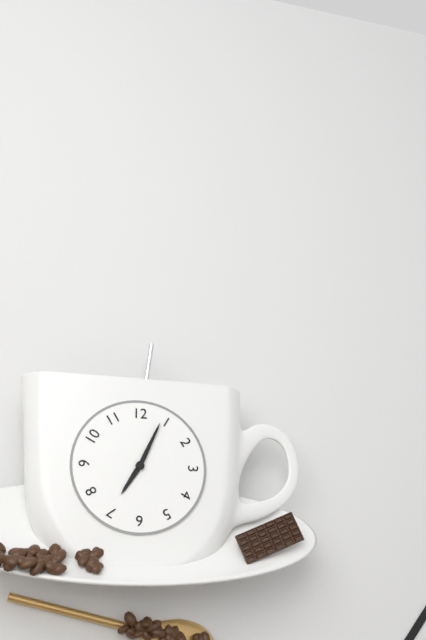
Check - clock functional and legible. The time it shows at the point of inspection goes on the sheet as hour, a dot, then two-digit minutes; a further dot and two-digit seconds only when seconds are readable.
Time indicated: 7.04
